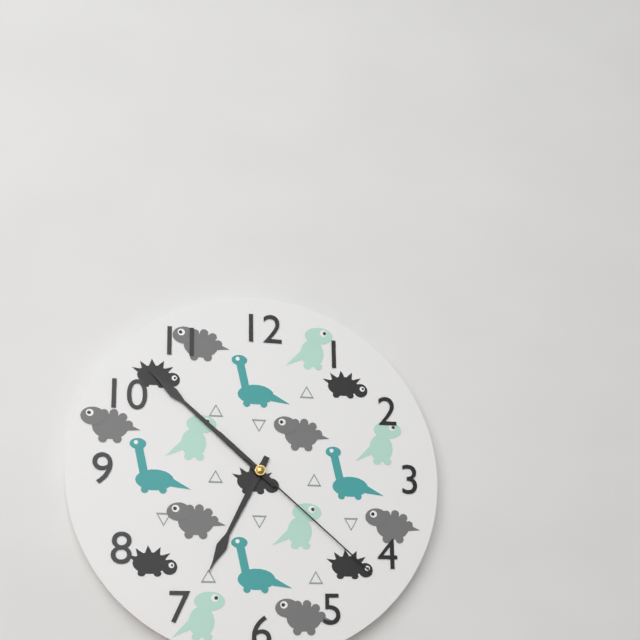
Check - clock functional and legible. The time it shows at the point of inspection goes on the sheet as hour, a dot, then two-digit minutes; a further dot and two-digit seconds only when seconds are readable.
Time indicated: 6.52.22
